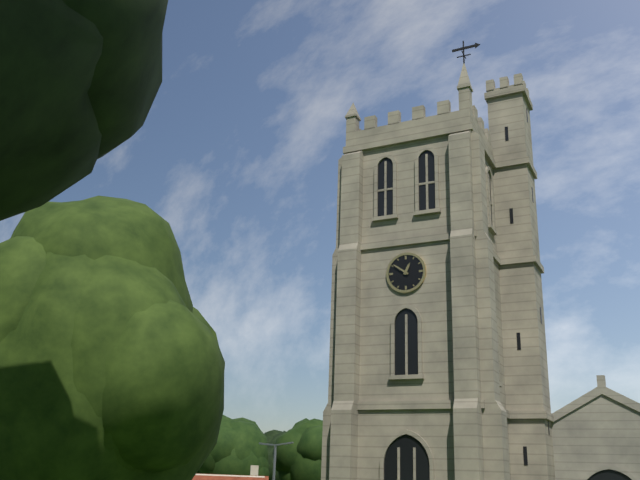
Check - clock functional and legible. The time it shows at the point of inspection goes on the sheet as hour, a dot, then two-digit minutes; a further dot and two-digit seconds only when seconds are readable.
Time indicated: 12.51
